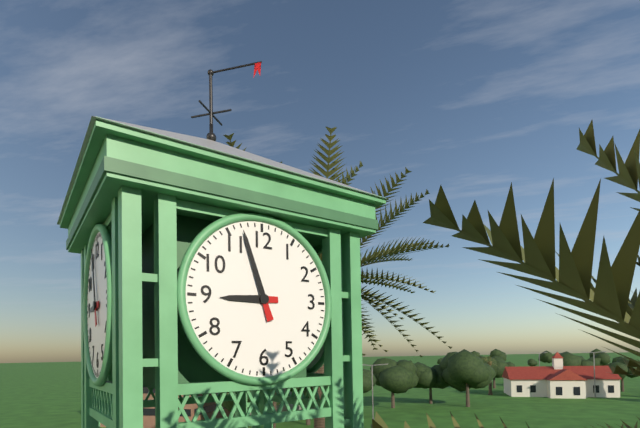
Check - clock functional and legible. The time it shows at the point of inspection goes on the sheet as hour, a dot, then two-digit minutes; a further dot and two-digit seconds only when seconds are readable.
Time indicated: 8.57
